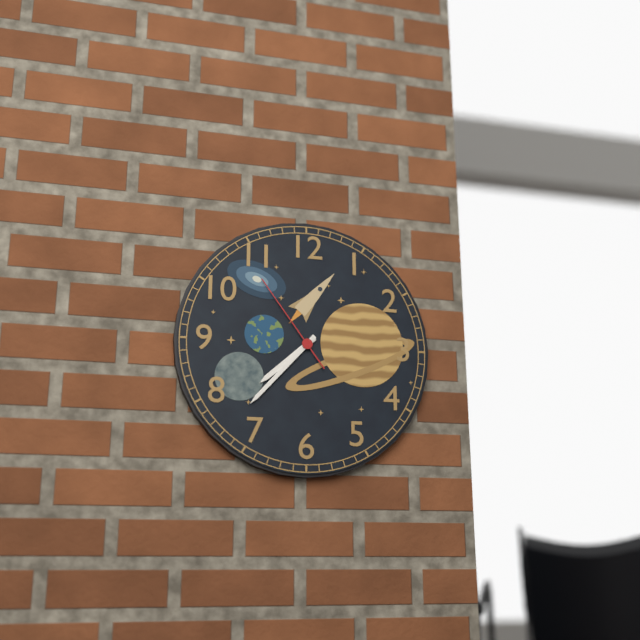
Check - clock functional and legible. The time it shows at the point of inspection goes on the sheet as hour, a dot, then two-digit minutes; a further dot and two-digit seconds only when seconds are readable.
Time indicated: 7.37.54
